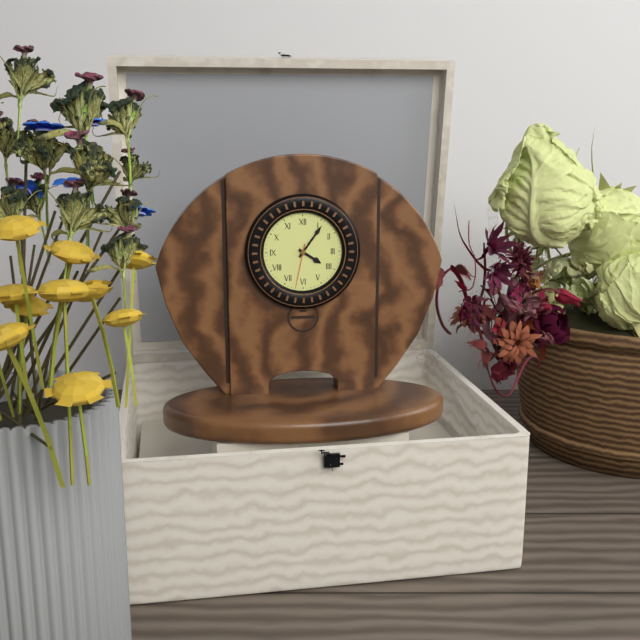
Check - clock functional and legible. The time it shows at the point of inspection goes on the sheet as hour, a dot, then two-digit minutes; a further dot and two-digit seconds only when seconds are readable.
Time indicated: 4.06
